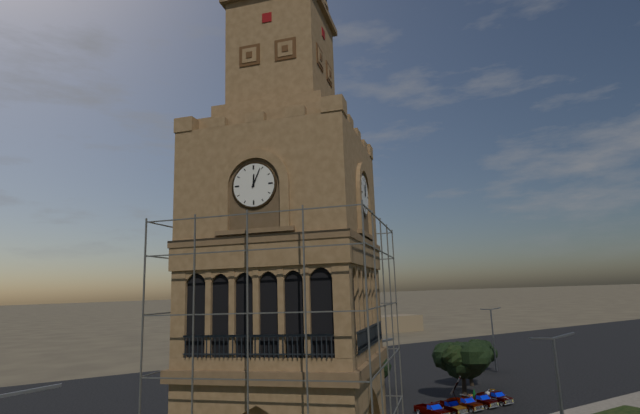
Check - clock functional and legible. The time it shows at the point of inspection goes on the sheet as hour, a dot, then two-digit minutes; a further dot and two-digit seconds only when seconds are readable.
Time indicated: 12.04
